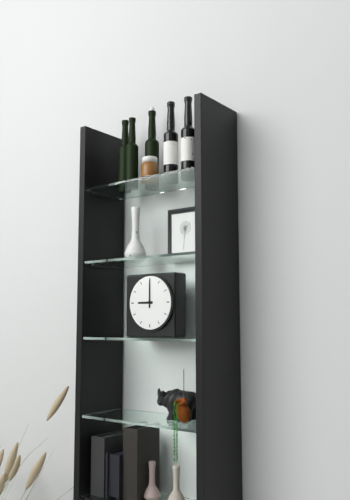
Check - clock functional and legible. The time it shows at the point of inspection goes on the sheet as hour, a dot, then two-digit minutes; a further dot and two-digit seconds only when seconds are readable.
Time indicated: 9.00
